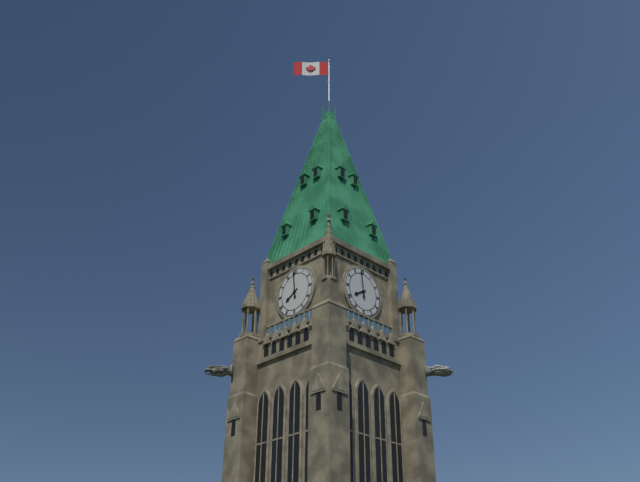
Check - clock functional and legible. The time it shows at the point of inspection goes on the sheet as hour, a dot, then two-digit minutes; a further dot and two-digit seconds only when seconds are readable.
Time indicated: 7.59
